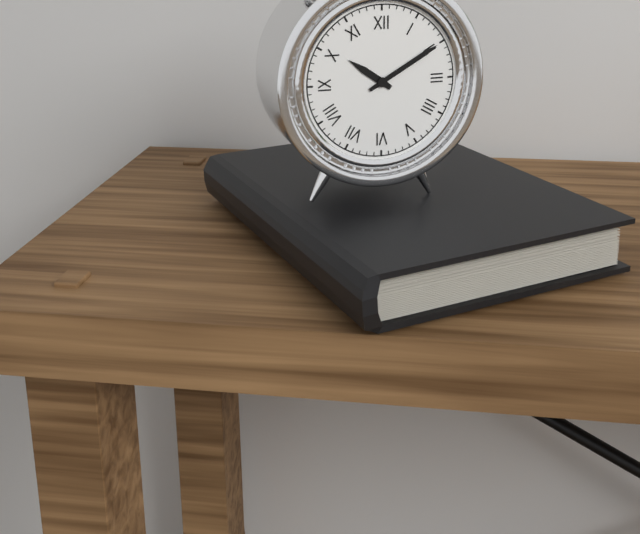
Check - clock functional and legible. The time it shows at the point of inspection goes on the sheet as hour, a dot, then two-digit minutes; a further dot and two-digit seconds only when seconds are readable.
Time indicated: 10.10
